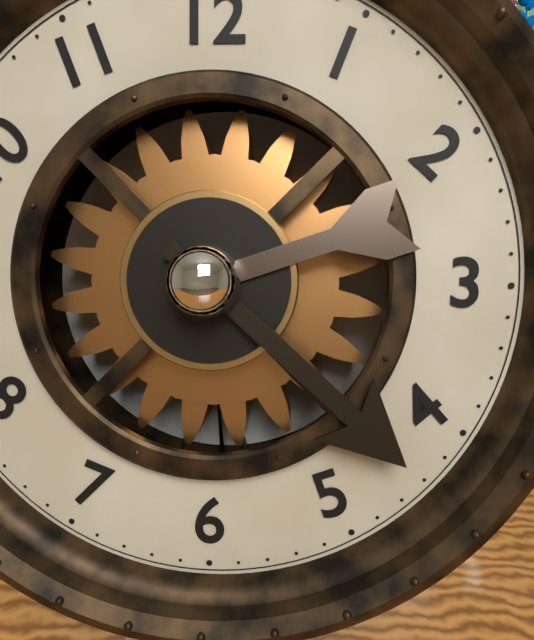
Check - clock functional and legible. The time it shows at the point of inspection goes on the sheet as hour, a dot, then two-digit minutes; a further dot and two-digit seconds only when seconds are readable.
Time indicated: 2.22
